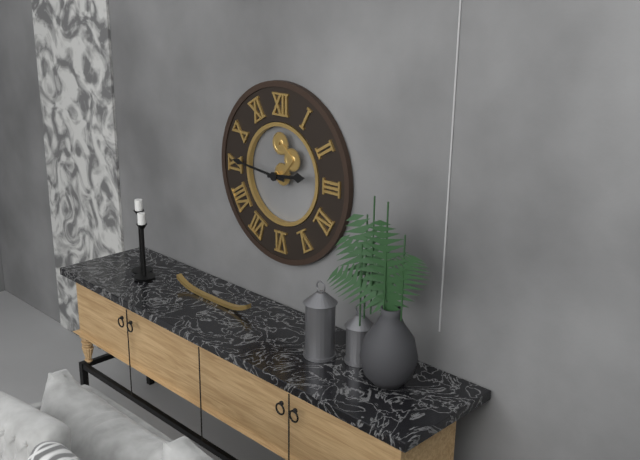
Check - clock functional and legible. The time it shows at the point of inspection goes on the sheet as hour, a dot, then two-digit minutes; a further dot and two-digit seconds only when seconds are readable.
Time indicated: 2.46
